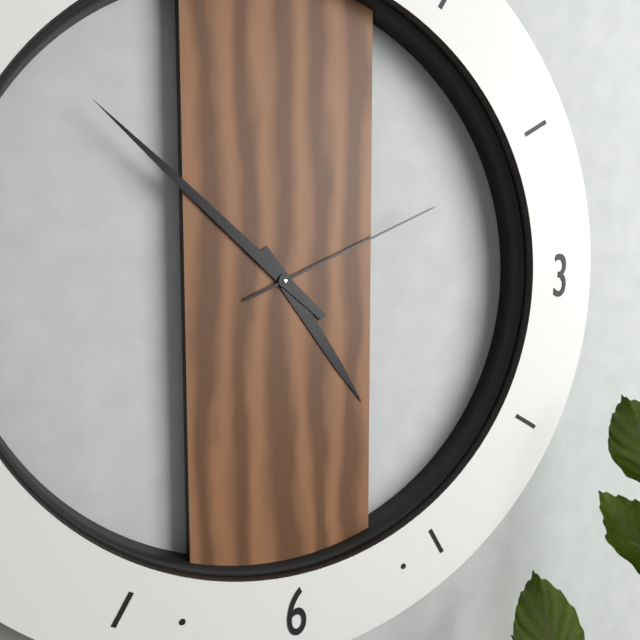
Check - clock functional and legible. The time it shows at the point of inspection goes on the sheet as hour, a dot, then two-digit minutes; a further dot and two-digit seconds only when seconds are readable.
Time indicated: 4.52.11
